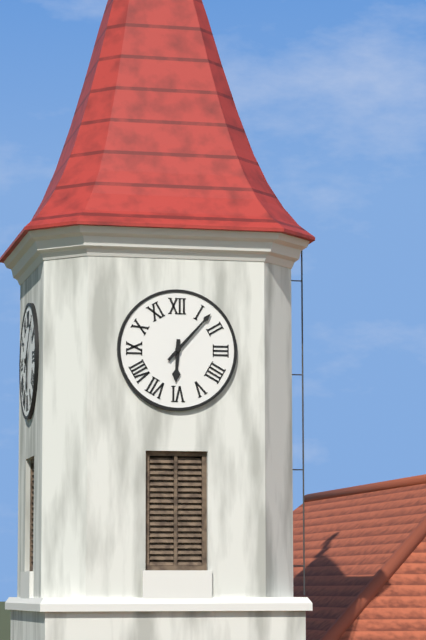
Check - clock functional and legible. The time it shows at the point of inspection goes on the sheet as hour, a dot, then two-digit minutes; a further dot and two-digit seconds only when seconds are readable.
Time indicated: 6.07
